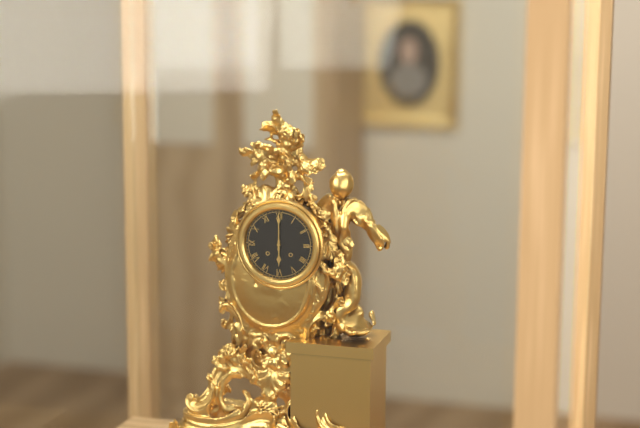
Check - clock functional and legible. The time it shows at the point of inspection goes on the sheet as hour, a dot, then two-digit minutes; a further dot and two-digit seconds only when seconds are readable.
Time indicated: 6.00
